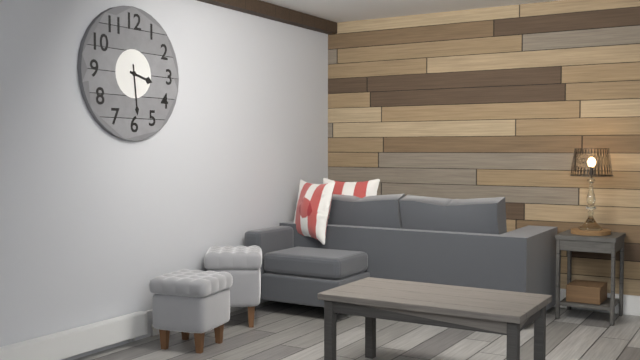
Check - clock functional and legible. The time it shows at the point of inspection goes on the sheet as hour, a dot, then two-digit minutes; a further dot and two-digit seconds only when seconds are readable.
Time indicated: 3.29
